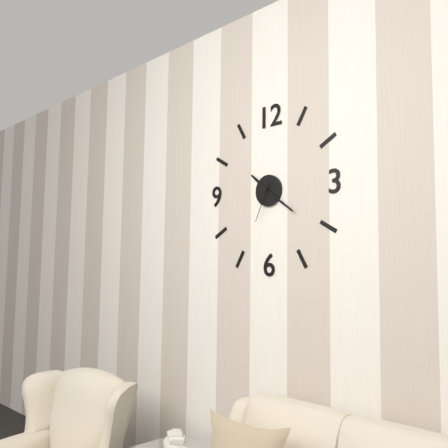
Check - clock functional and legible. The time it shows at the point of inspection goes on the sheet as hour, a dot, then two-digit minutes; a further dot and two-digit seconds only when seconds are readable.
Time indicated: 10.21
